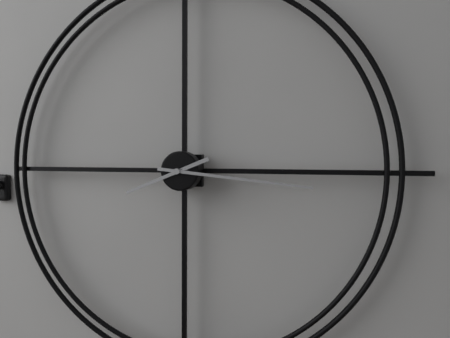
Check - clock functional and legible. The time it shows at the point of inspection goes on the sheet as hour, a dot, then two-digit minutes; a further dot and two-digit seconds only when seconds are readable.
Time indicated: 8.16
